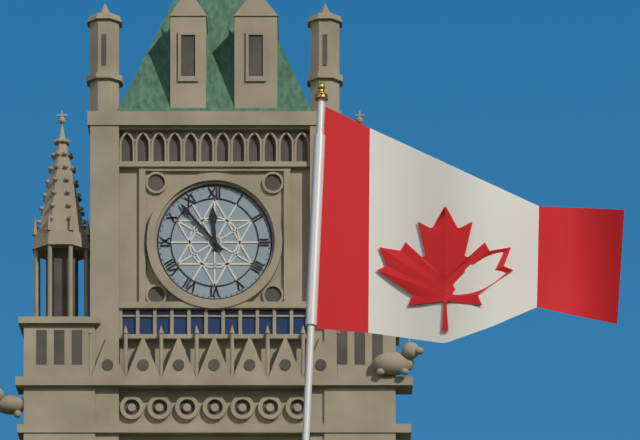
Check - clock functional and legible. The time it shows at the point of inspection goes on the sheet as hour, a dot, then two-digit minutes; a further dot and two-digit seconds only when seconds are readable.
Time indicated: 11.53
